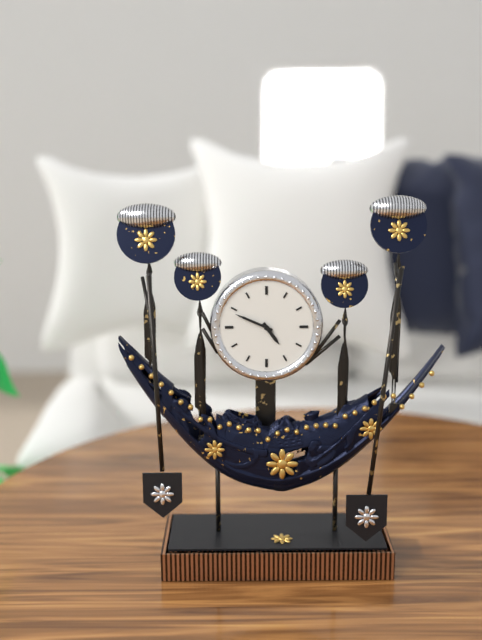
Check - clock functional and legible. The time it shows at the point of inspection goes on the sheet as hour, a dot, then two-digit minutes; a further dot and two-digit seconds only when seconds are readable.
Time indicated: 4.49
